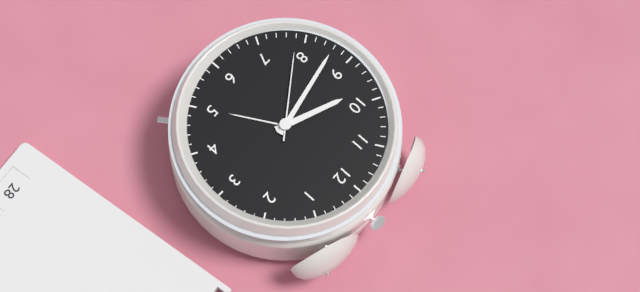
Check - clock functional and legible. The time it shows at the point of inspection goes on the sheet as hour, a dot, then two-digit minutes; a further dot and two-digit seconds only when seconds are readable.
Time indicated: 9.43.39
